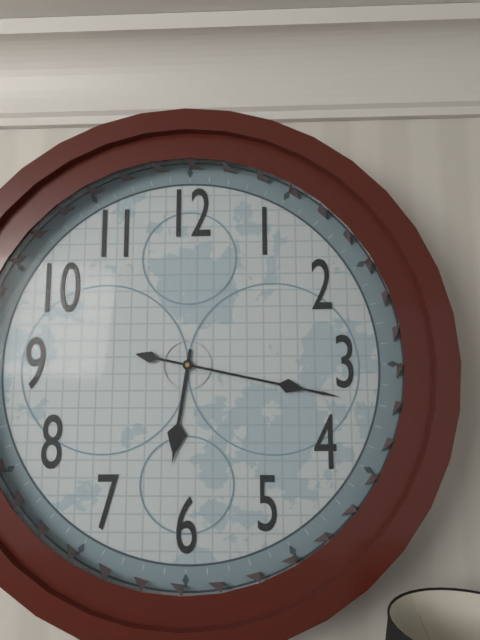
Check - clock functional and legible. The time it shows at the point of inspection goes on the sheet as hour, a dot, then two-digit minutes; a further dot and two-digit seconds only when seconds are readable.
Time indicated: 6.17
